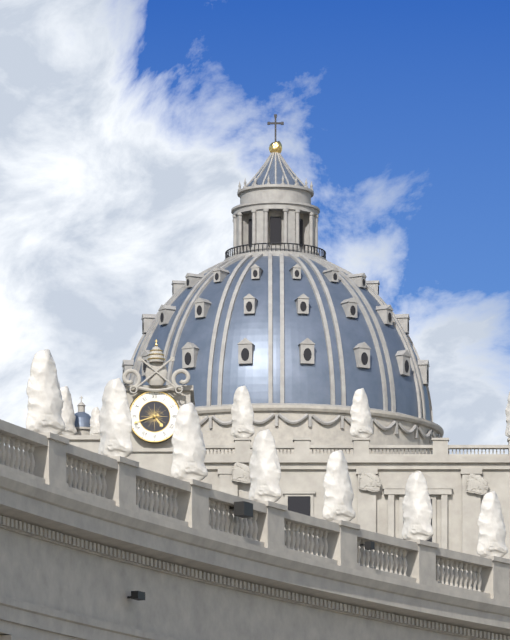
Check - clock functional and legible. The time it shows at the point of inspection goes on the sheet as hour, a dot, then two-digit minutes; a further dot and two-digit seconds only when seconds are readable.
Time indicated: 4.42
